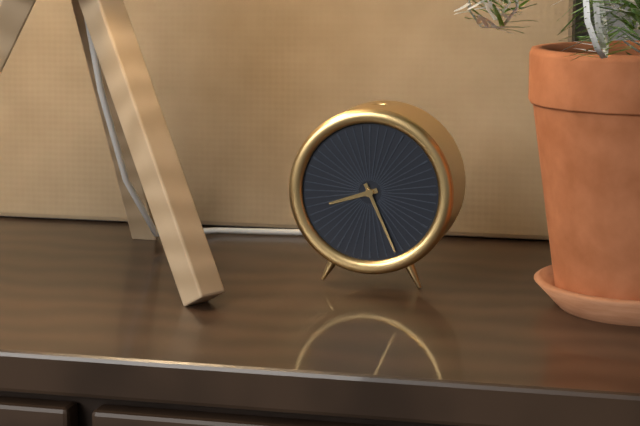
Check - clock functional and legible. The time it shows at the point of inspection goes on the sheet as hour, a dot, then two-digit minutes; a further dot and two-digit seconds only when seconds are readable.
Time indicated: 8.26
